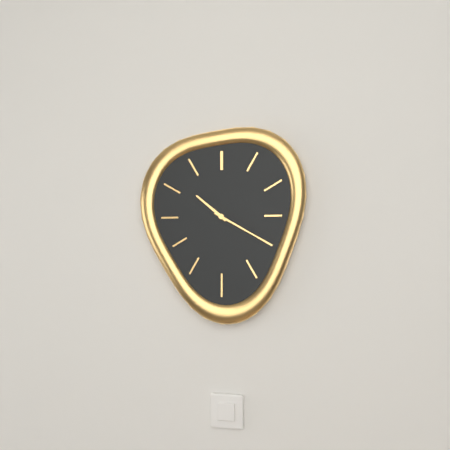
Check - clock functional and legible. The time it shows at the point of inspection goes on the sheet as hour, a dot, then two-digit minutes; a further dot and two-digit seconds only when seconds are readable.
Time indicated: 10.20
